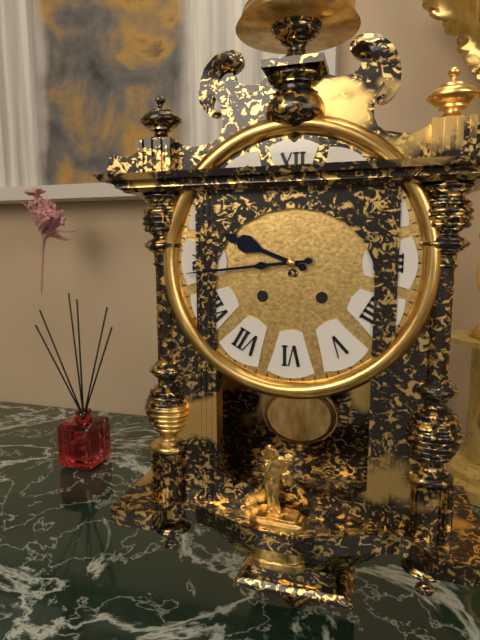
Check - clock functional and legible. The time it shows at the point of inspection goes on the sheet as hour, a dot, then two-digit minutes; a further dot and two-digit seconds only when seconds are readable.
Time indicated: 9.44
